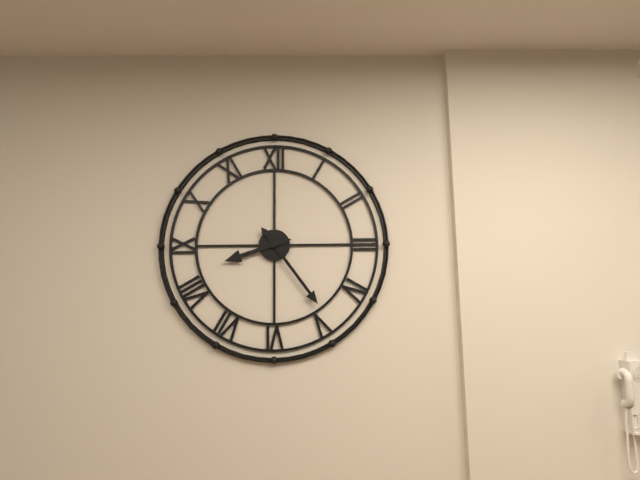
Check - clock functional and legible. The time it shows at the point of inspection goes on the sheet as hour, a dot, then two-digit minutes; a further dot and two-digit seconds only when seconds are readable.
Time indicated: 8.24
